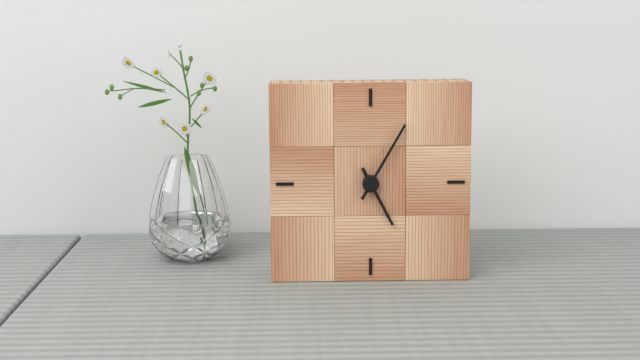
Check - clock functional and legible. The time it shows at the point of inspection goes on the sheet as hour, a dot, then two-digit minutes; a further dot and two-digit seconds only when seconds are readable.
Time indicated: 5.05
